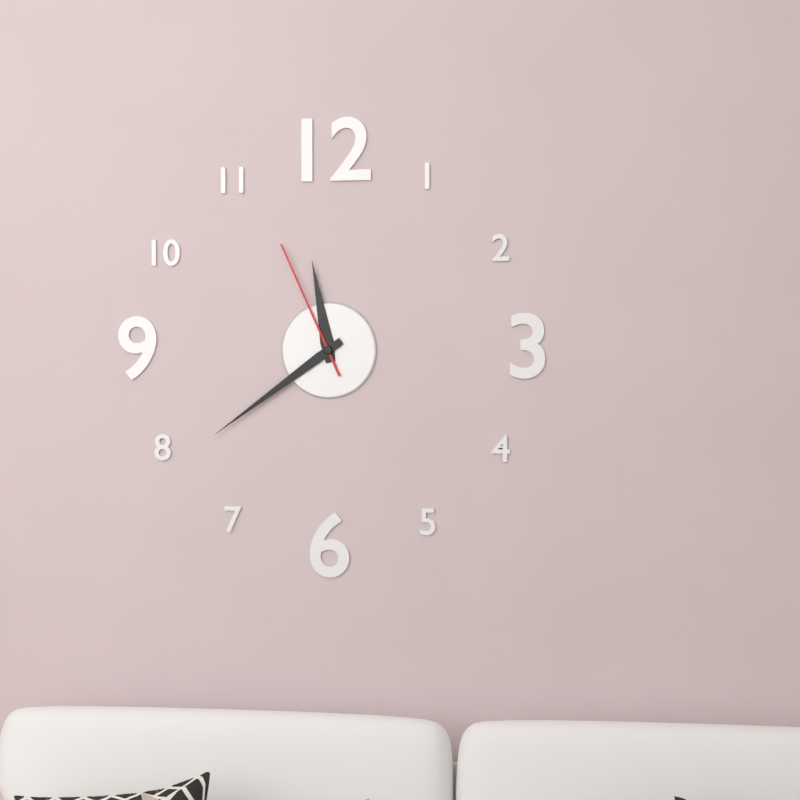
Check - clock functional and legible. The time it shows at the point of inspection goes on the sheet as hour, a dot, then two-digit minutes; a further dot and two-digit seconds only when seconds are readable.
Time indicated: 11.39.56
